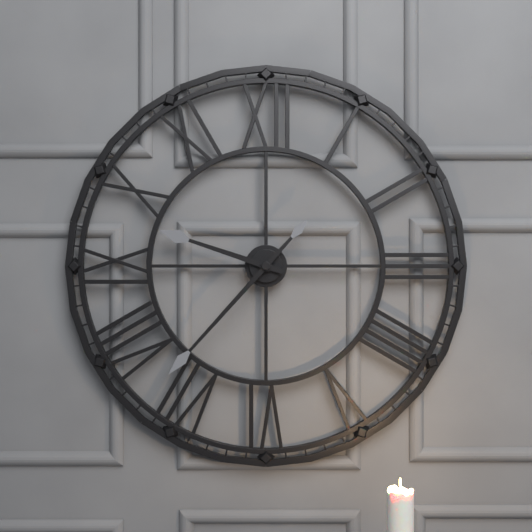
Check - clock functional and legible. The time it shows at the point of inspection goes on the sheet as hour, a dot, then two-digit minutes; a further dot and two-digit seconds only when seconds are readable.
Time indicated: 9.37
